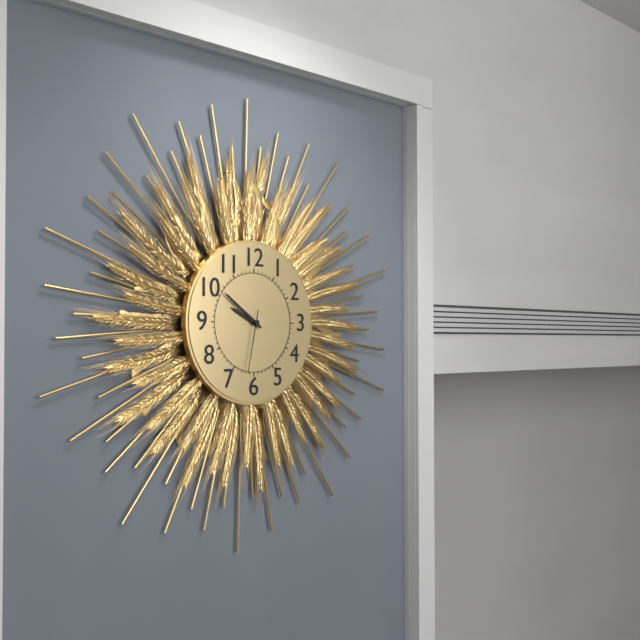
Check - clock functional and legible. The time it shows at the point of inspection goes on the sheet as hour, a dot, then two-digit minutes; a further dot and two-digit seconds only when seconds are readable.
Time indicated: 9.51.32
